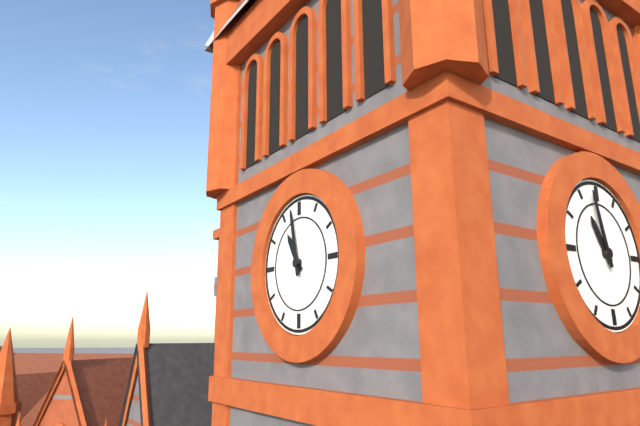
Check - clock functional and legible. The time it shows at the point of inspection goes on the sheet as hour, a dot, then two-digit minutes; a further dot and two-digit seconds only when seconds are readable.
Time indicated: 10.58
